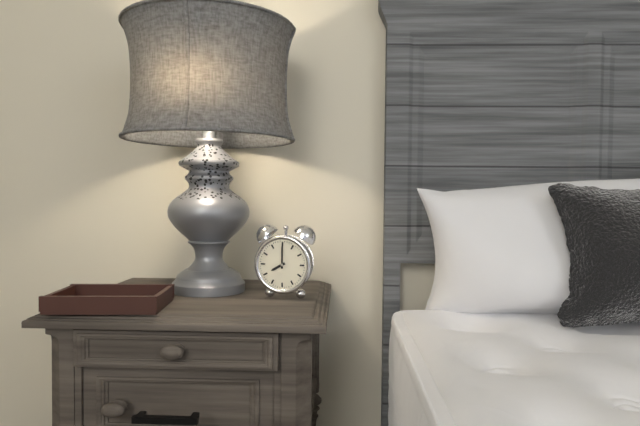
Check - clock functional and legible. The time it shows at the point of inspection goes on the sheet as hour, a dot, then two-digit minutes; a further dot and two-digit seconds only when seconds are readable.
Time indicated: 8.00
